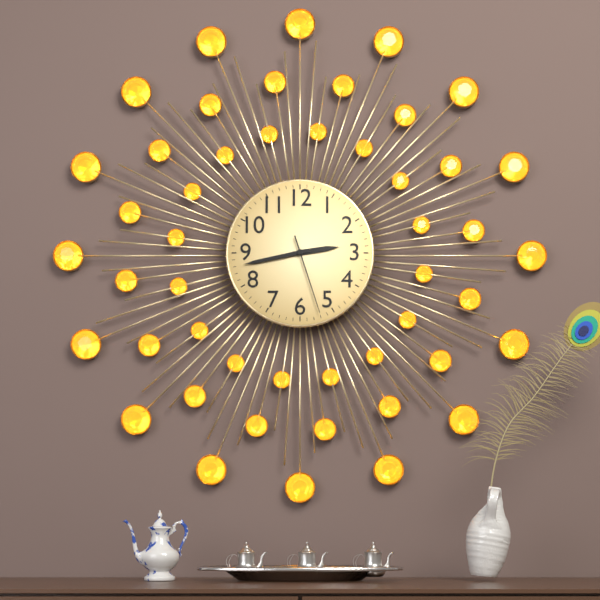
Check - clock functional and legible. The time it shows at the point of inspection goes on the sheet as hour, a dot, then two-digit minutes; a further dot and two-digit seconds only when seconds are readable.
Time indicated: 2.43.27
